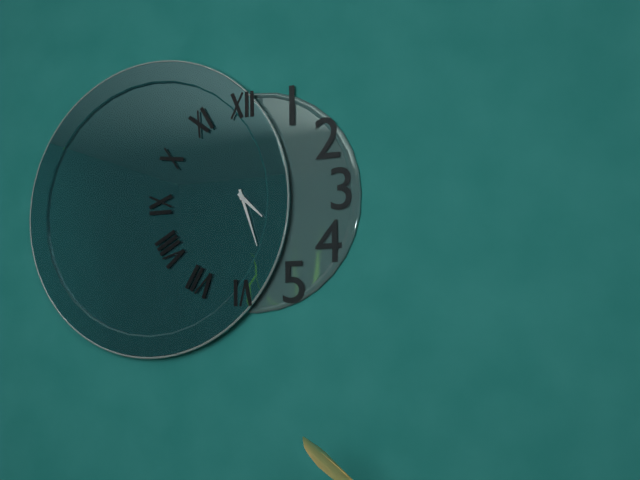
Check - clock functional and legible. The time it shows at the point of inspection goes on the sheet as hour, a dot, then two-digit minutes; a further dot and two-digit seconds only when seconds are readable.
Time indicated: 4.27
